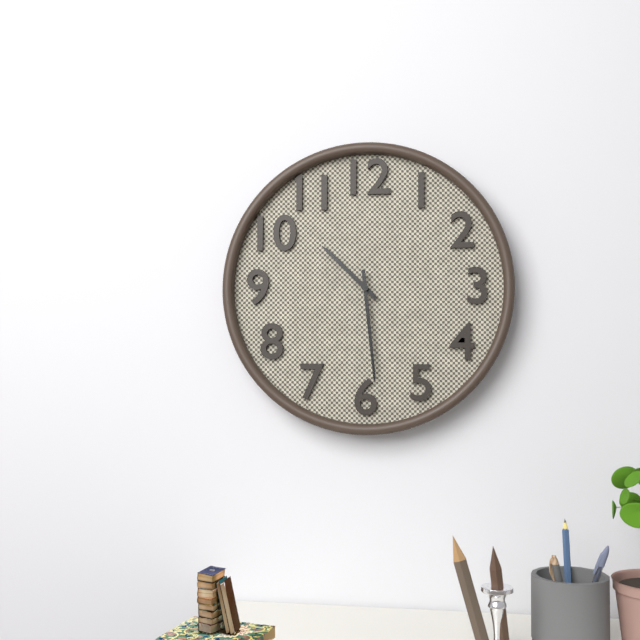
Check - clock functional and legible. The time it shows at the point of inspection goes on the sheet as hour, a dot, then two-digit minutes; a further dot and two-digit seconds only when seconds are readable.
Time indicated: 10.29
